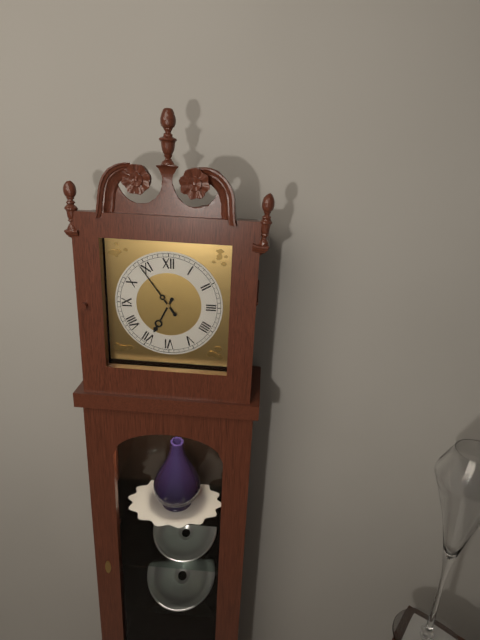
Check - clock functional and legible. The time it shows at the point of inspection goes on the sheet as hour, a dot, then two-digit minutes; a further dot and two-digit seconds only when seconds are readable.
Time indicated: 6.54
